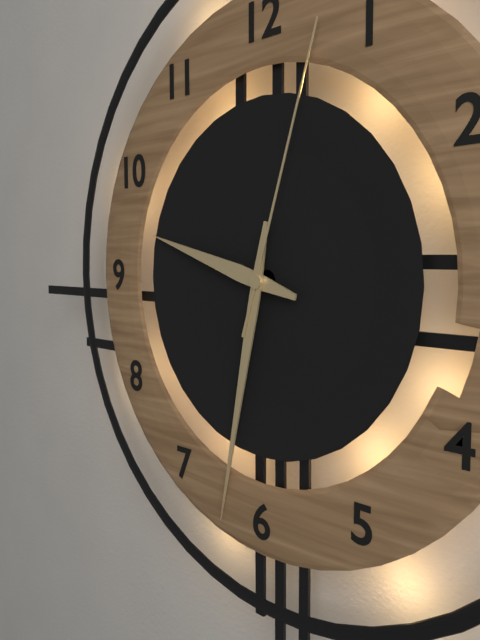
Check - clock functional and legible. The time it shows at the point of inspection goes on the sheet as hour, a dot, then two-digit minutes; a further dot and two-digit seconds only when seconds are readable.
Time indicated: 9.32.03
